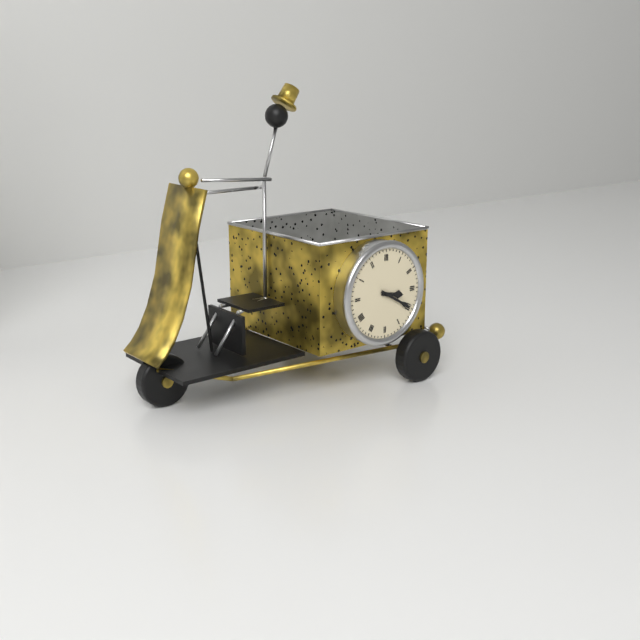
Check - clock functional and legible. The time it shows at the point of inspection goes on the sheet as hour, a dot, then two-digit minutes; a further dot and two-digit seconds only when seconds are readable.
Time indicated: 3.20
